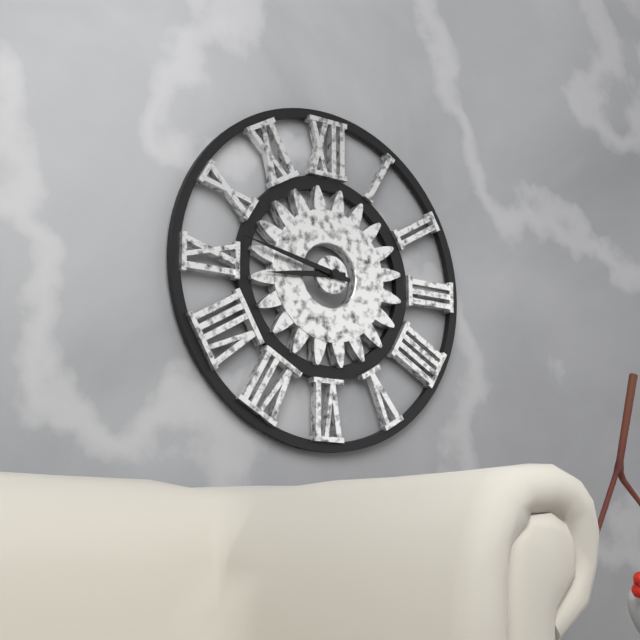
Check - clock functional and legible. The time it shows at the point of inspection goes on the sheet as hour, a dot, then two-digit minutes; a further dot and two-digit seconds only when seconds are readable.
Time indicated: 8.47
